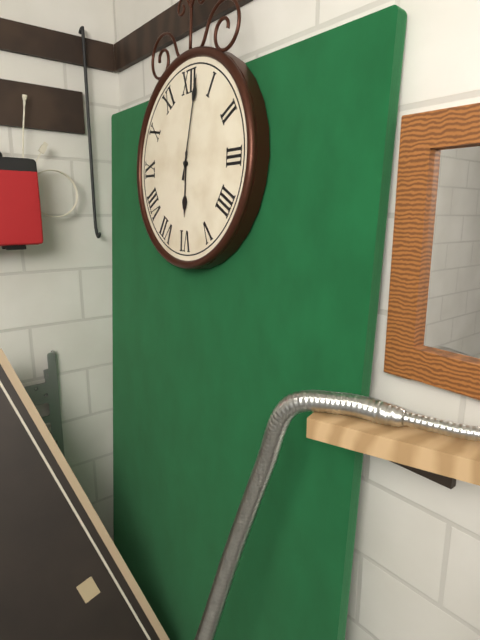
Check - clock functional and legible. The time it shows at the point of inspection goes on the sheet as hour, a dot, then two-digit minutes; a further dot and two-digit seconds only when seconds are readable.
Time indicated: 6.02
